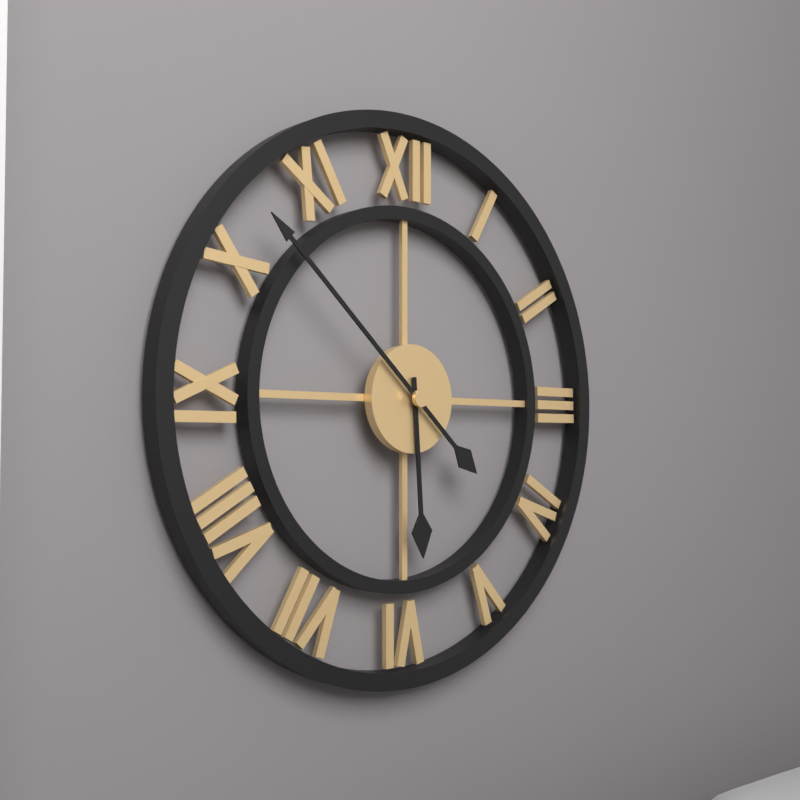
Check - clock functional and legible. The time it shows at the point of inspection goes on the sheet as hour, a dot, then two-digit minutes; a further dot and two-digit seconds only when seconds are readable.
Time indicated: 5.52
